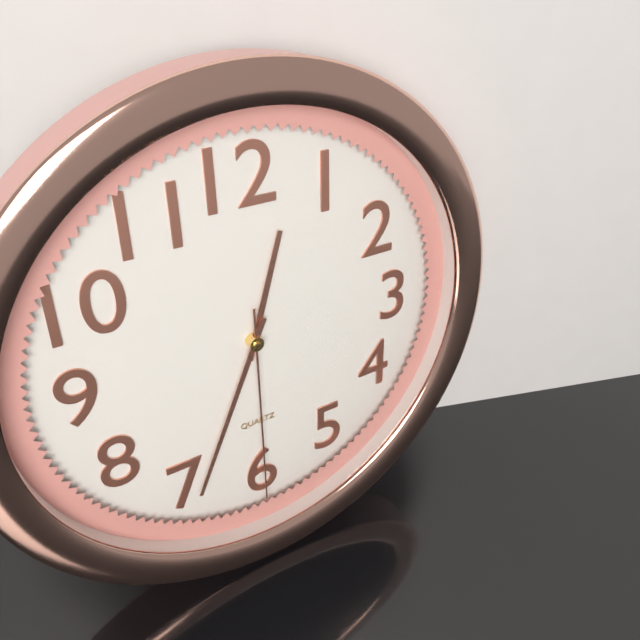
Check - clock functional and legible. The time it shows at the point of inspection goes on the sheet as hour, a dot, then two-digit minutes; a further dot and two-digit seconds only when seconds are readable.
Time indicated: 12.34.30
